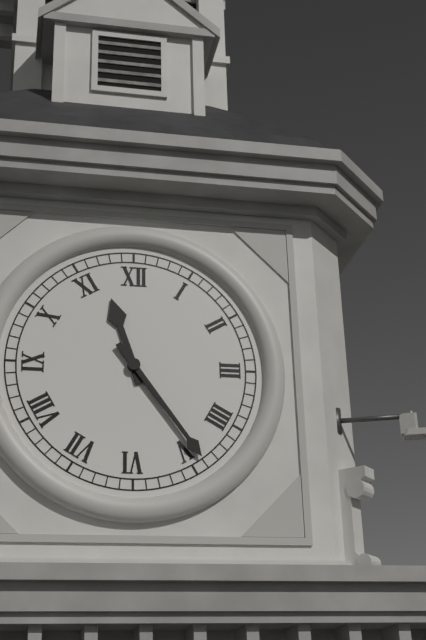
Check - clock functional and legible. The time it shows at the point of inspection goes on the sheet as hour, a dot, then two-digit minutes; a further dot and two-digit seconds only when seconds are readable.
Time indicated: 11.24
